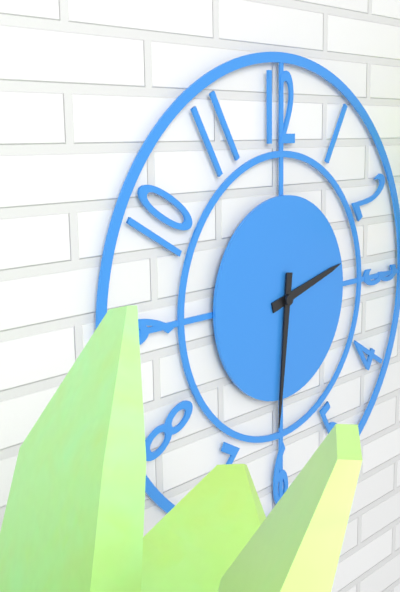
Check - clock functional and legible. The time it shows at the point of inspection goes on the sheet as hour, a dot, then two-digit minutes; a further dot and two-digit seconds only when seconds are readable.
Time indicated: 2.31
